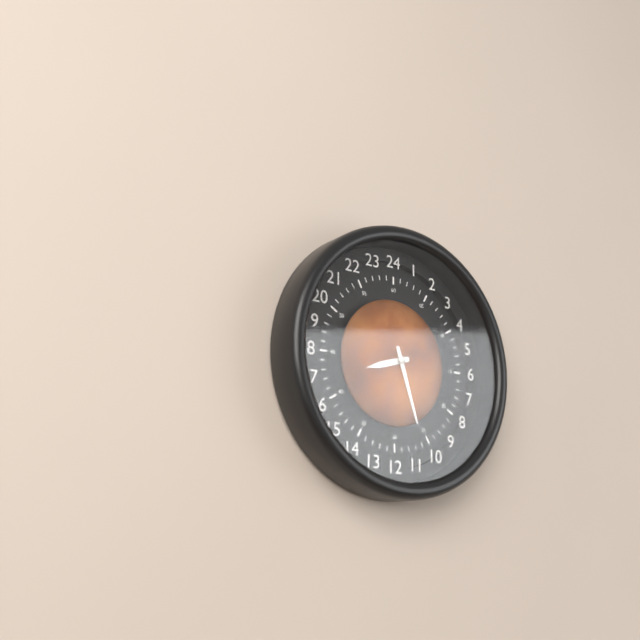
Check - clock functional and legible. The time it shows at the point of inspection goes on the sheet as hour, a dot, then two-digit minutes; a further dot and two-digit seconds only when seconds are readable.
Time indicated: 8.27
